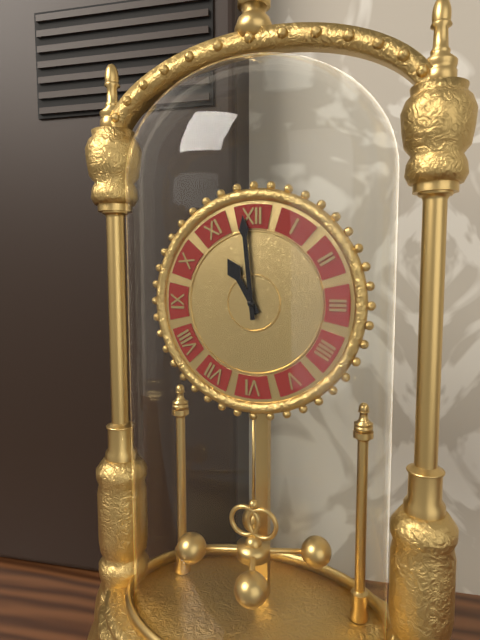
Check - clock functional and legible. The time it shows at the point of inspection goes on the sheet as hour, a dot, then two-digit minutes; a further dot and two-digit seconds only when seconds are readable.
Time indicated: 10.59
